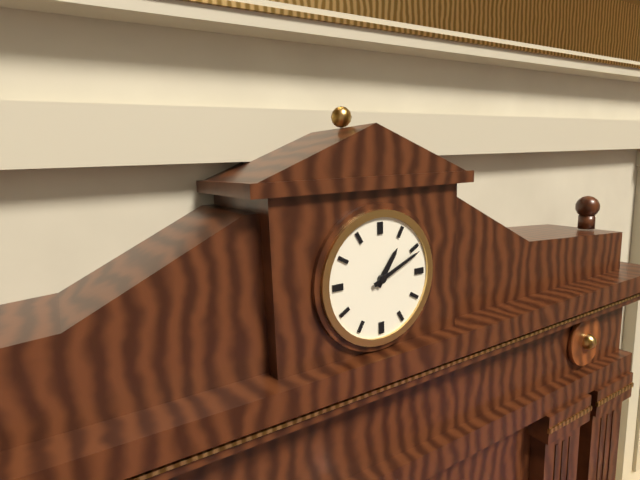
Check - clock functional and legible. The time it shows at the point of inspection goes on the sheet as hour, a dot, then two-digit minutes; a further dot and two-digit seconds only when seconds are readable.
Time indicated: 1.11
